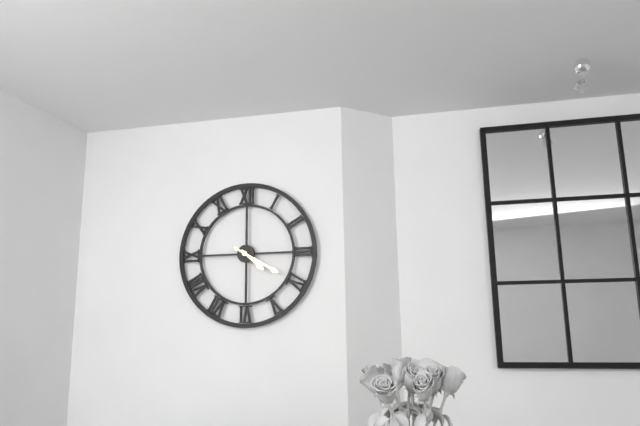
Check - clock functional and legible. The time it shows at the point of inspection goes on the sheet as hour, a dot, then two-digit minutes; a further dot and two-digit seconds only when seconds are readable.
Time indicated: 4.20
